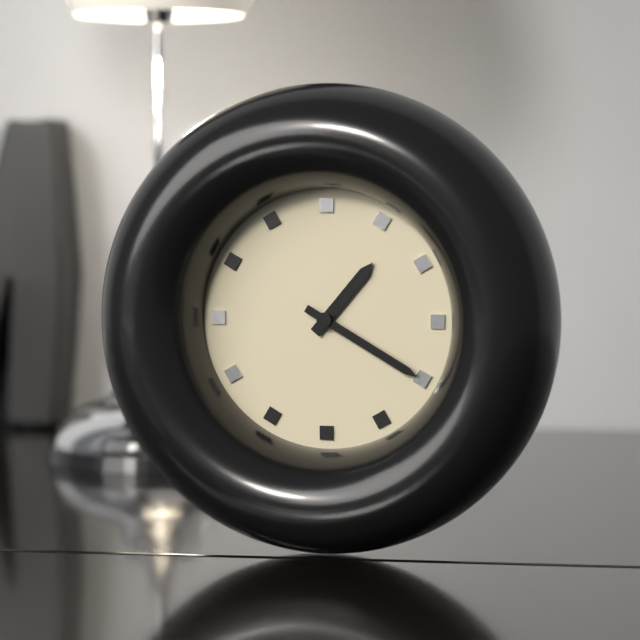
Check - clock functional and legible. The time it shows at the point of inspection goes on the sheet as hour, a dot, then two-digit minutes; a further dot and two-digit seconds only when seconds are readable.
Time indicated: 1.20
